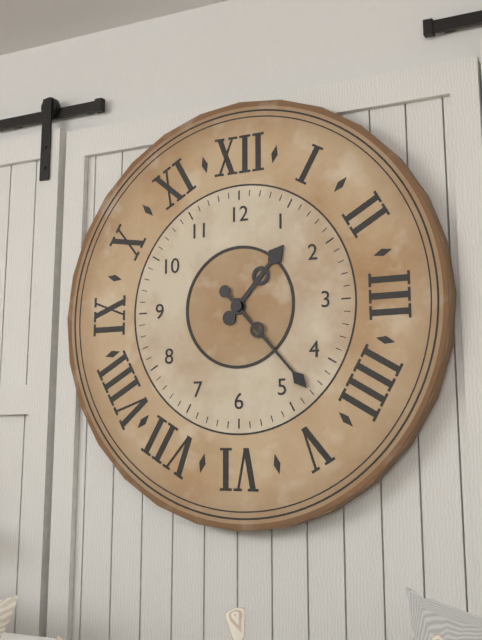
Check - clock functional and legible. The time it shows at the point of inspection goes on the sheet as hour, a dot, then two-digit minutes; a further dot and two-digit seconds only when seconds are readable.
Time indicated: 1.23
